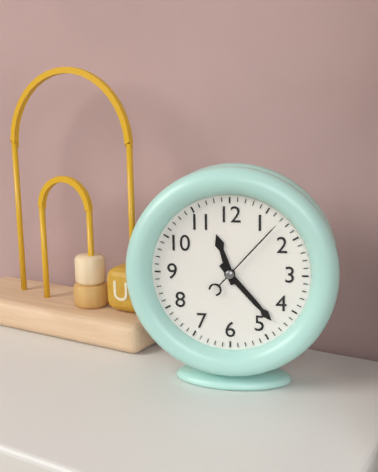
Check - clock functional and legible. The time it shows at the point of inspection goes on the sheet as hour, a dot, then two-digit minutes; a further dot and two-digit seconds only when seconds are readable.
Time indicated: 11.23.07
